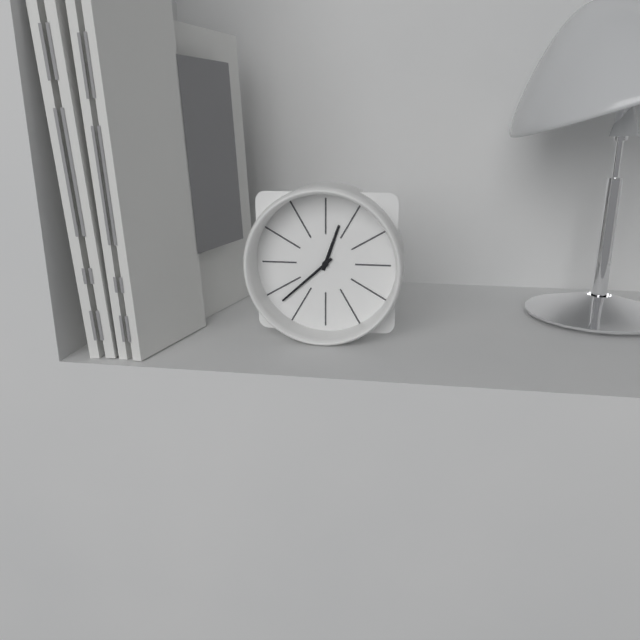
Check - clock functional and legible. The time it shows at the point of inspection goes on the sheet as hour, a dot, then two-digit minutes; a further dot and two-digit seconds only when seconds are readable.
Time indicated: 12.38
